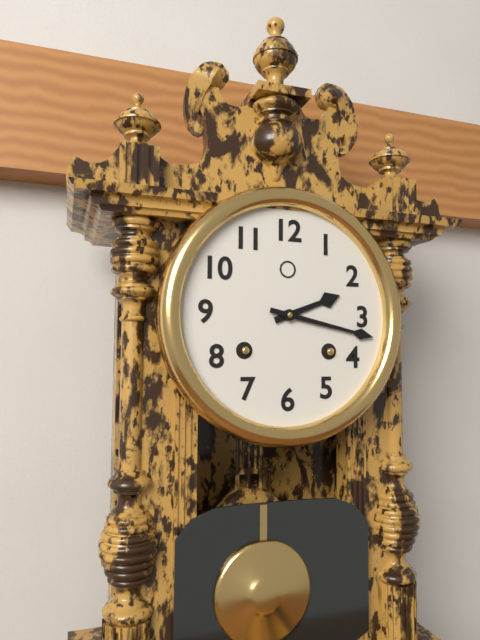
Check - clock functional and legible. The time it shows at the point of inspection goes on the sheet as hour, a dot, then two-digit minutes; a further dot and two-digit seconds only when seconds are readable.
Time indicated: 2.17
